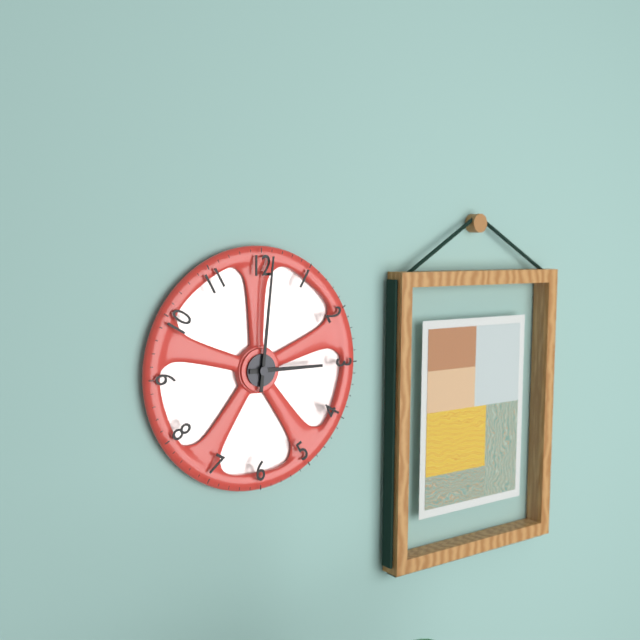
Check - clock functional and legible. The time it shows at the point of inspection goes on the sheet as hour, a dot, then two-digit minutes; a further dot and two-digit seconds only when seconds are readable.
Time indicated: 3.01
